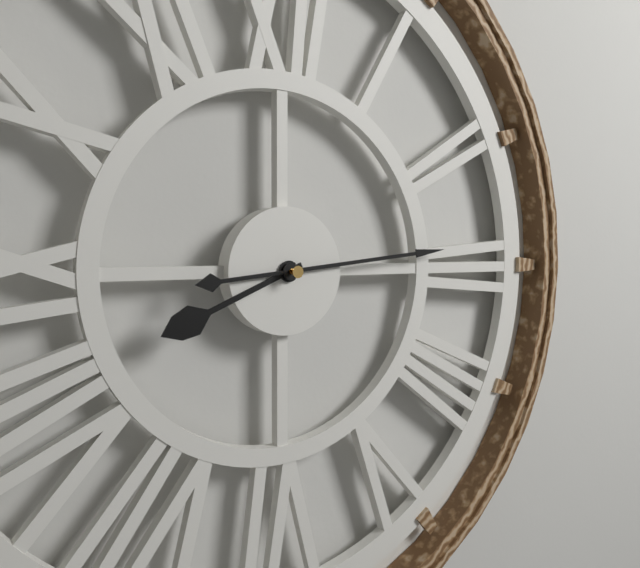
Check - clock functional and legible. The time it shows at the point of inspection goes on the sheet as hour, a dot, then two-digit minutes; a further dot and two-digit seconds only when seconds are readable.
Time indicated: 8.14
